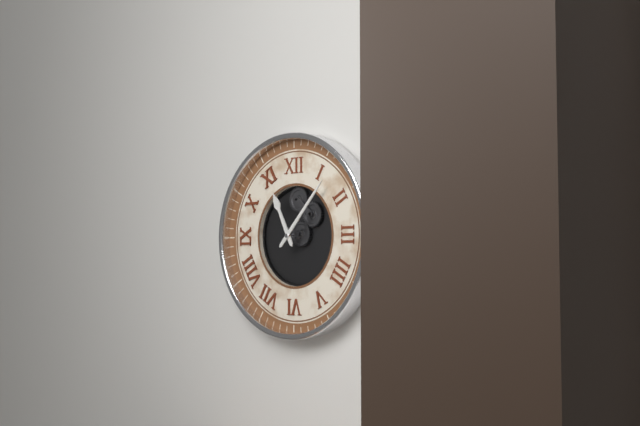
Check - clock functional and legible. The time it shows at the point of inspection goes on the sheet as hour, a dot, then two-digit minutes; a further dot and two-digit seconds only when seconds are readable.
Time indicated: 11.07
